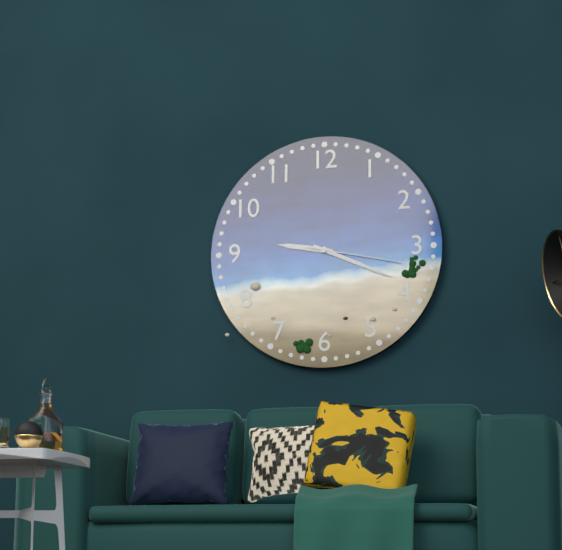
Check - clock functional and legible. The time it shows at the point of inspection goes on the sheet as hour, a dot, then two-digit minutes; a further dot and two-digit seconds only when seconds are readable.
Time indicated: 9.19.17
